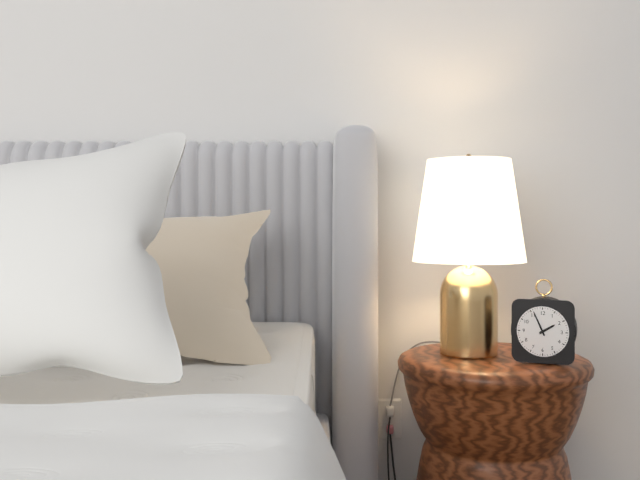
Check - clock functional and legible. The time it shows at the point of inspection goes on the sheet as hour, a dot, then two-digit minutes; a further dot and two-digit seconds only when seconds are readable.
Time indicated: 1.56
